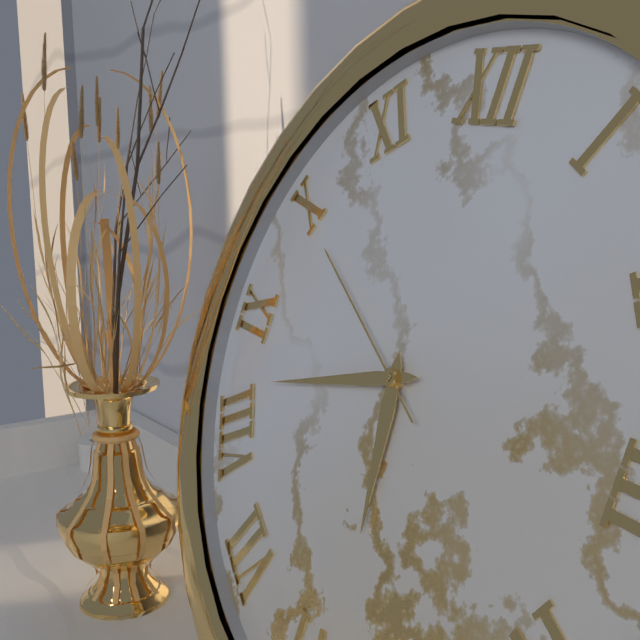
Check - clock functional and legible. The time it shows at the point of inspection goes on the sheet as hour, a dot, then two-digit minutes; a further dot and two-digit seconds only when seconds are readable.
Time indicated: 5.42.50
